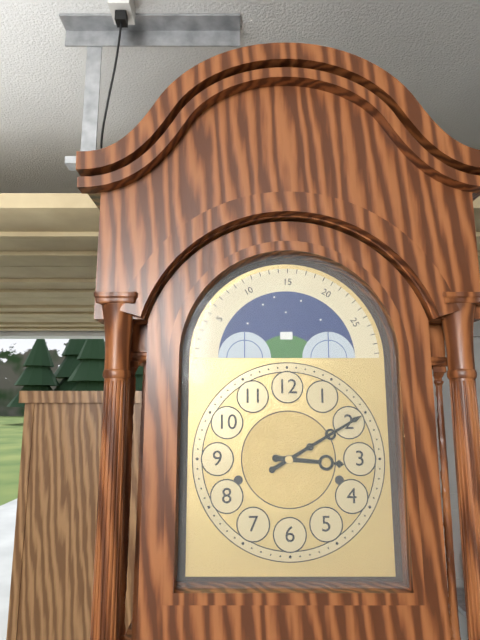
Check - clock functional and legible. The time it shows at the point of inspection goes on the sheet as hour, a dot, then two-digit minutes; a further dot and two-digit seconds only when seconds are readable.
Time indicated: 3.10
